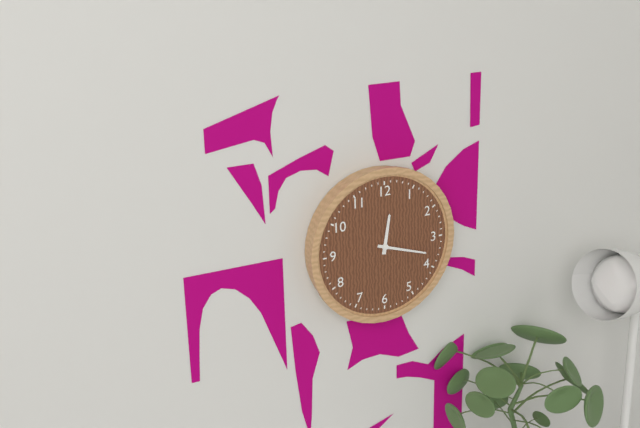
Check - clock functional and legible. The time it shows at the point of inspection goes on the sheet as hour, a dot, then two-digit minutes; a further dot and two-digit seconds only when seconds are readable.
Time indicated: 12.18
